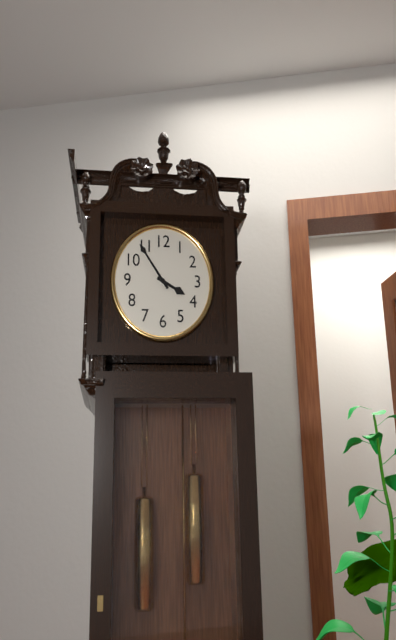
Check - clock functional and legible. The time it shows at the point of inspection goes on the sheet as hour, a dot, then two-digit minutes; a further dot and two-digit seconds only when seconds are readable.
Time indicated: 3.54
